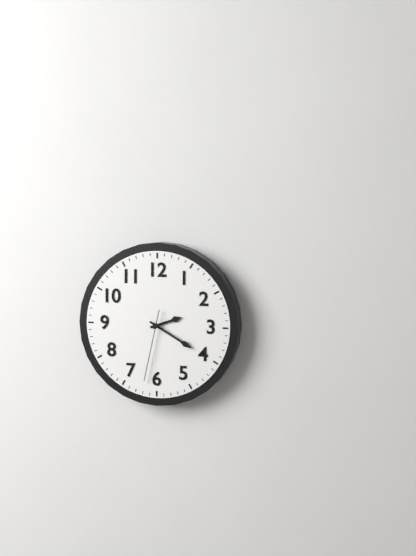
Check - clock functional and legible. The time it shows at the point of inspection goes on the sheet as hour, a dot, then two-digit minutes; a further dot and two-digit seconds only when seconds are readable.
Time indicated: 2.20.32
